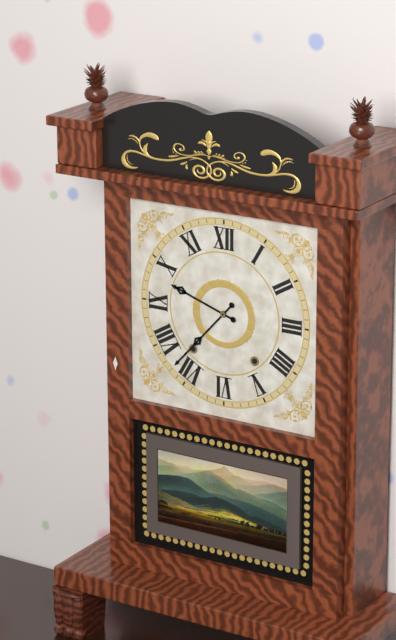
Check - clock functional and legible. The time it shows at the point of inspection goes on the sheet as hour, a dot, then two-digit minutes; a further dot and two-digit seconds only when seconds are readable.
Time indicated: 9.37
